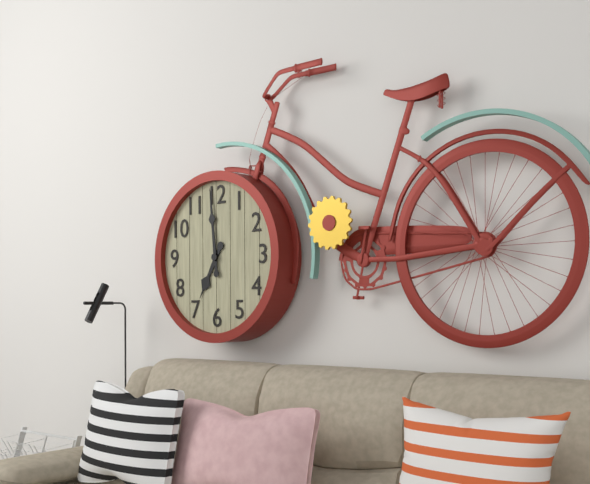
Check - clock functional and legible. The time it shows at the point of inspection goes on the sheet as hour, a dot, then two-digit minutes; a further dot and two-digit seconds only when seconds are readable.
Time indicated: 6.59
